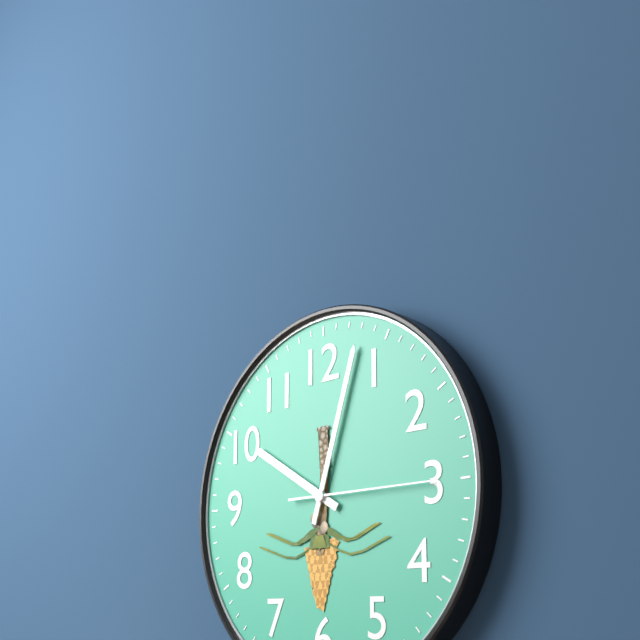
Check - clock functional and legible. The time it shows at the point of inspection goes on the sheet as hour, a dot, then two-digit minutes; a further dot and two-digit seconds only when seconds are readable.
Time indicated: 10.03.15
